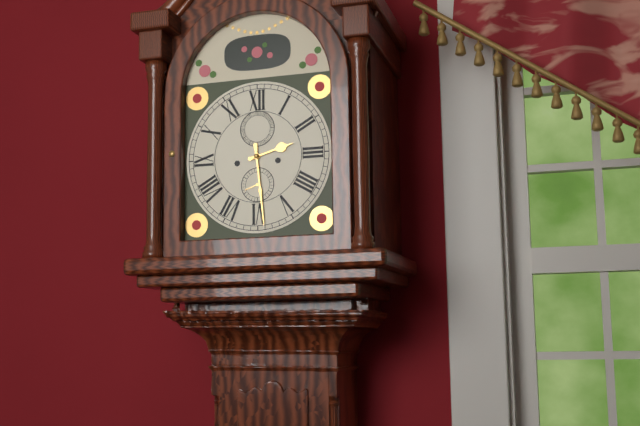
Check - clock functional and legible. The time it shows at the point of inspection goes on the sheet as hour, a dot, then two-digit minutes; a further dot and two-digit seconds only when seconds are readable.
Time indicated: 2.29
